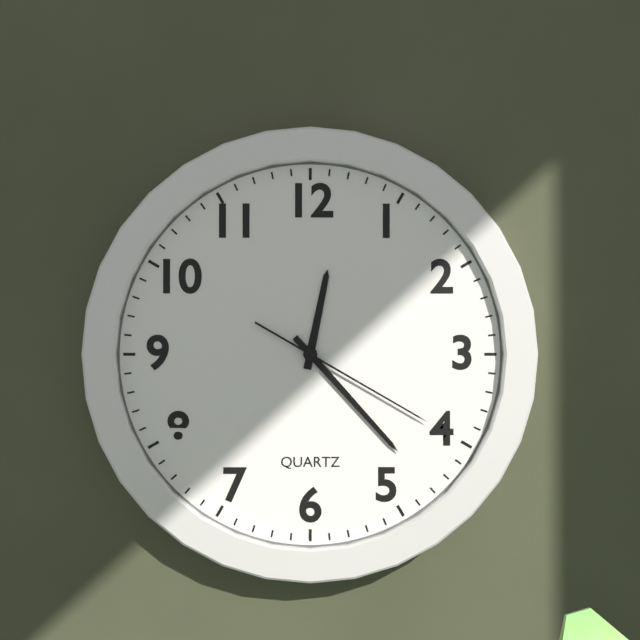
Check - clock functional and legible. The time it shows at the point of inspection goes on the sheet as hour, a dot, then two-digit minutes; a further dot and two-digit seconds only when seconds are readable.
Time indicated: 12.23.20
